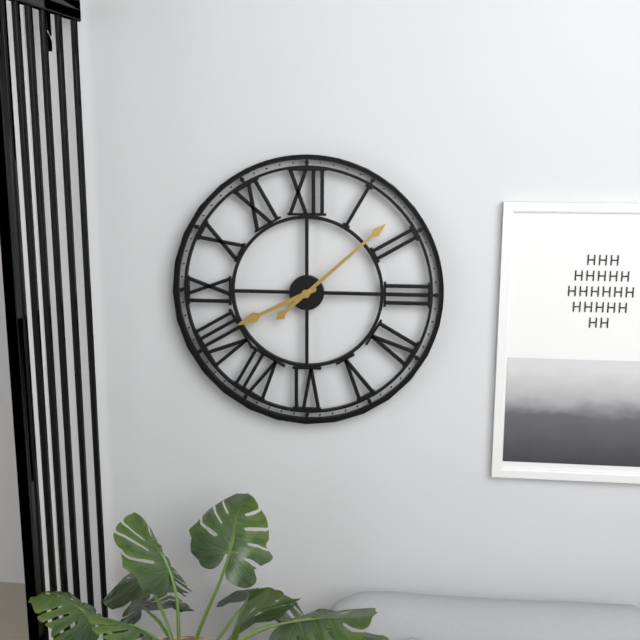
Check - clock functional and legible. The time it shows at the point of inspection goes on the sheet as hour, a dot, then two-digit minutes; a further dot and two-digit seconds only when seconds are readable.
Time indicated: 8.08
